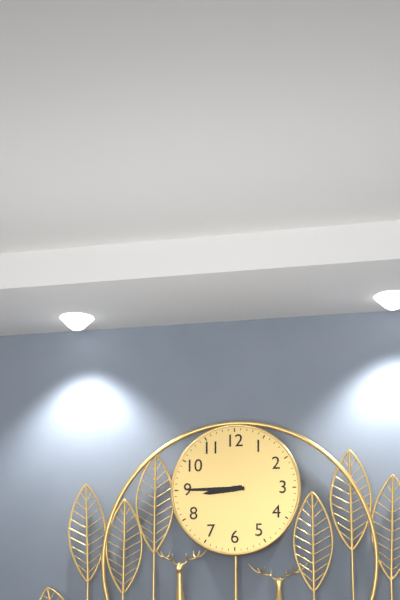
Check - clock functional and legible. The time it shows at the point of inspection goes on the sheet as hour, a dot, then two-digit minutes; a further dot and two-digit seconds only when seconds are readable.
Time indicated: 8.45
